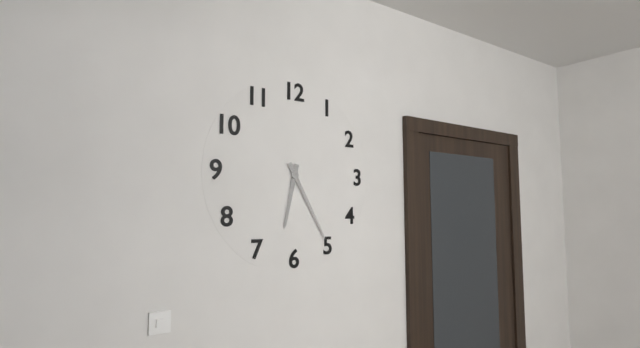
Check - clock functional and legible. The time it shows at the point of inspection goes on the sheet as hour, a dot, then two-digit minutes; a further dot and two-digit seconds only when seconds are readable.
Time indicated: 6.25
